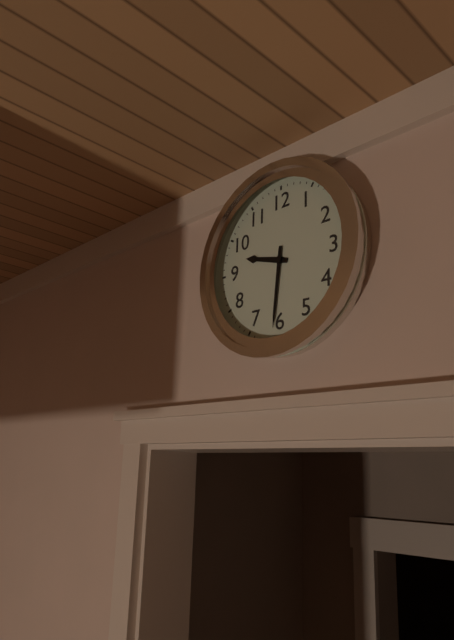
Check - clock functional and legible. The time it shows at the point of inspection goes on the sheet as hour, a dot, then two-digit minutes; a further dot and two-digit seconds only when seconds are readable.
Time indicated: 9.31
